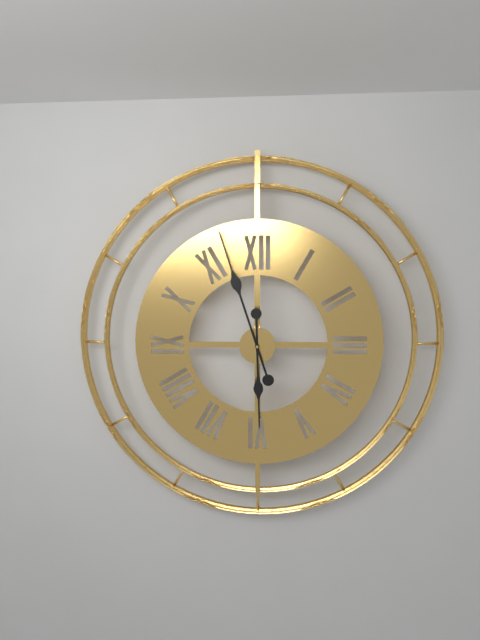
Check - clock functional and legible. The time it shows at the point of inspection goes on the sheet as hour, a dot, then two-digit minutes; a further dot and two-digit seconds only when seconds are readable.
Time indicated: 5.57
